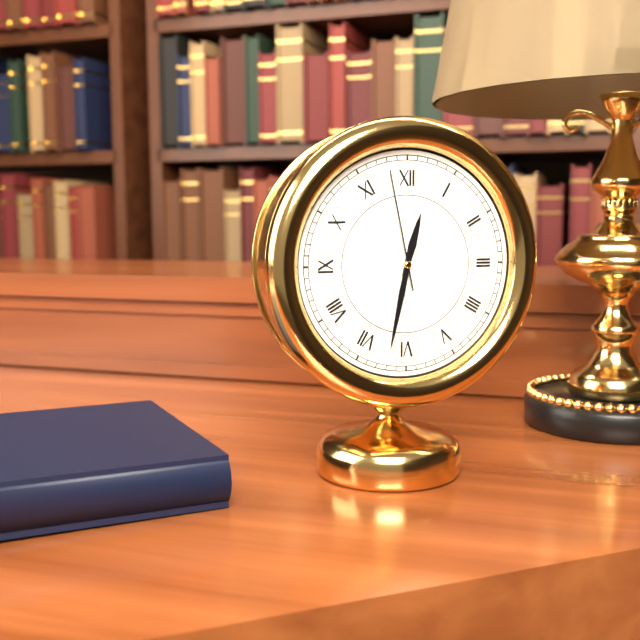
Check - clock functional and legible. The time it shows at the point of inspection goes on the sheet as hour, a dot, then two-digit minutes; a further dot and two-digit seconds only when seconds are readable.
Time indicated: 12.32.58
